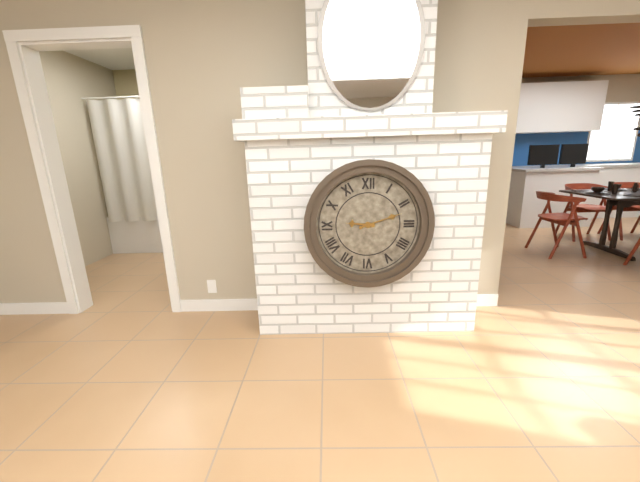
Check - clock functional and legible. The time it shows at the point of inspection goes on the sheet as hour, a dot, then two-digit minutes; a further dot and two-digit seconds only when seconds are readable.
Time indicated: 9.12
